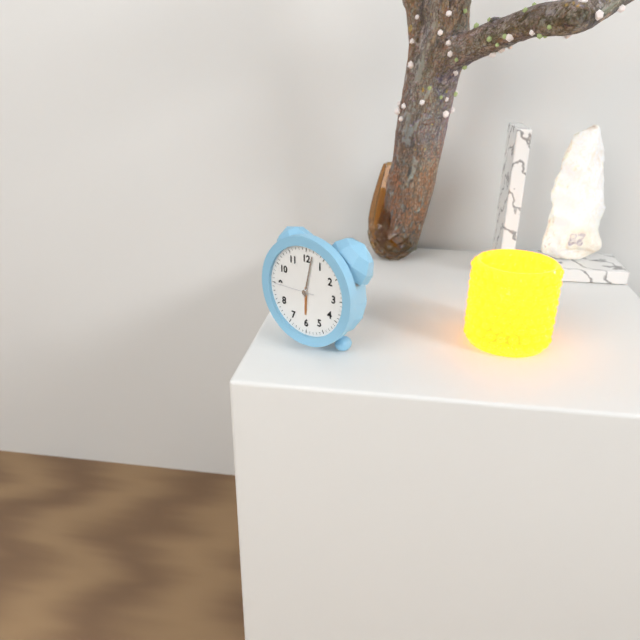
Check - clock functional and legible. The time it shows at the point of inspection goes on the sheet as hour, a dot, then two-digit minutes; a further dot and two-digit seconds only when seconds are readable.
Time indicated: 6.02
